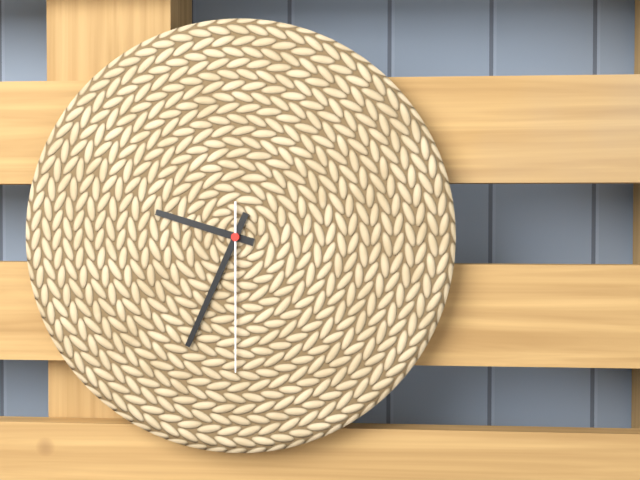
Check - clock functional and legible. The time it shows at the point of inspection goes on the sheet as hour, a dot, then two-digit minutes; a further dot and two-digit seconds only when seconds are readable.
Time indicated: 9.34.30
